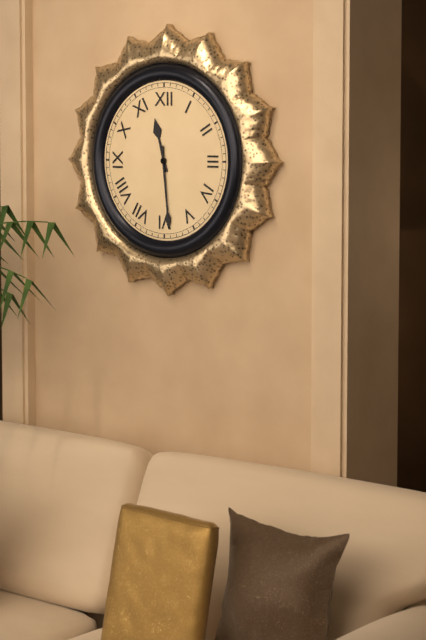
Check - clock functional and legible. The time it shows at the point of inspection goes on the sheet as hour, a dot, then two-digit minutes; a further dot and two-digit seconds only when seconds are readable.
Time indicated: 11.29
